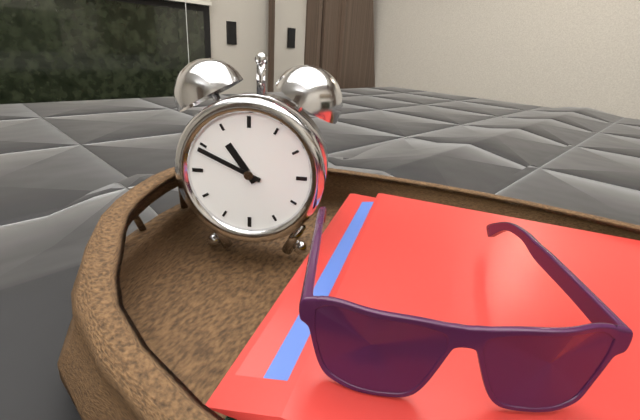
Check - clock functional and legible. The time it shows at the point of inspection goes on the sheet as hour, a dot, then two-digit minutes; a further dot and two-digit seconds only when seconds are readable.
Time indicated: 10.49
